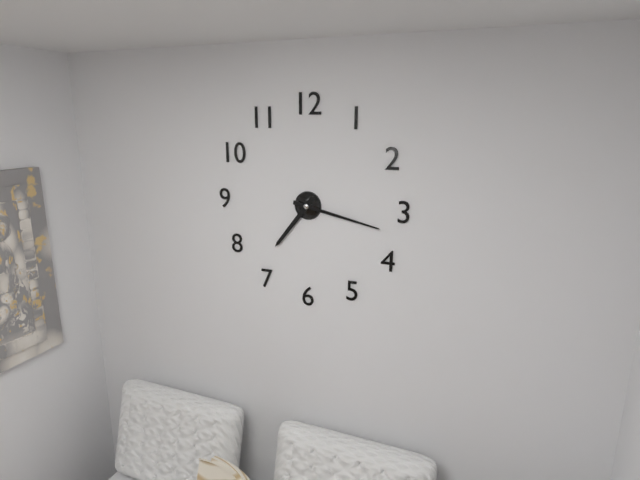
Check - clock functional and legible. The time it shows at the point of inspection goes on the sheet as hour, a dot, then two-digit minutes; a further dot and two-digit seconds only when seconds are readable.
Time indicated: 7.17
